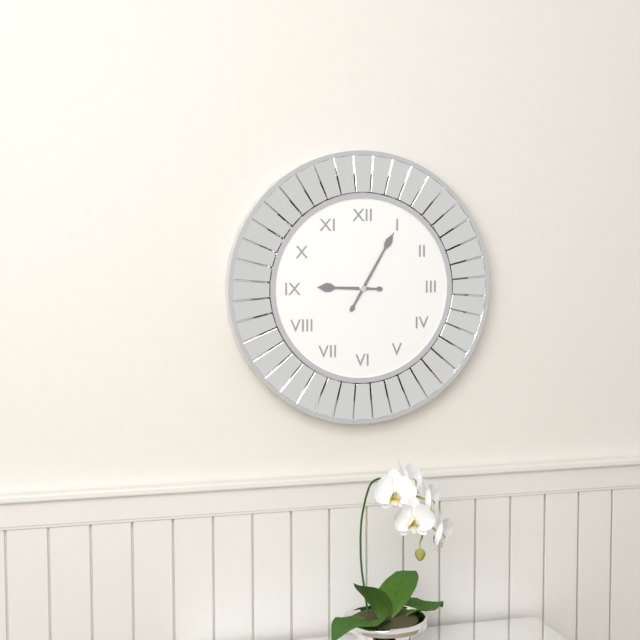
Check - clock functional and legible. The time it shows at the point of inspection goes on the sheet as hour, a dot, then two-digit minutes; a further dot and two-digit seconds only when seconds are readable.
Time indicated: 9.05
